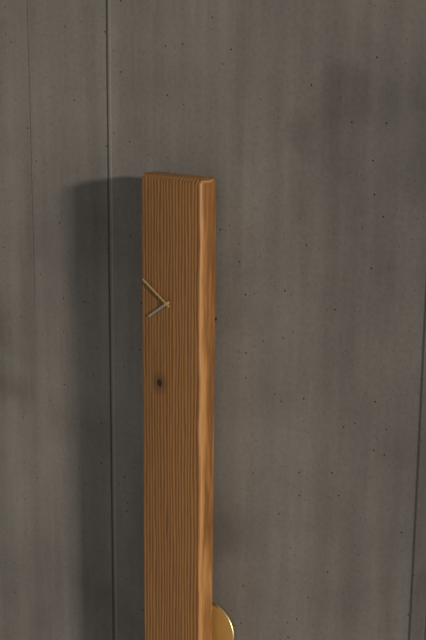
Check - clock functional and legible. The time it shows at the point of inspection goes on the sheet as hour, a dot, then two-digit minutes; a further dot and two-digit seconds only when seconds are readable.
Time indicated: 7.51
